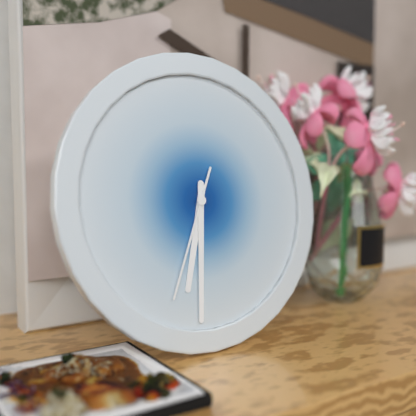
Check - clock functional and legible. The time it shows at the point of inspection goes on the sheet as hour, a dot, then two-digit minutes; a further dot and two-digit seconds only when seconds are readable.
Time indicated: 6.31.34
